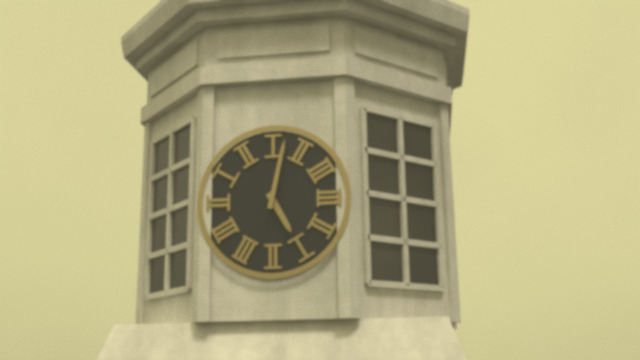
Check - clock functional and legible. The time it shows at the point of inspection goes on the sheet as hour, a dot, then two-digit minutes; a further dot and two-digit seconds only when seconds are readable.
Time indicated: 5.02
